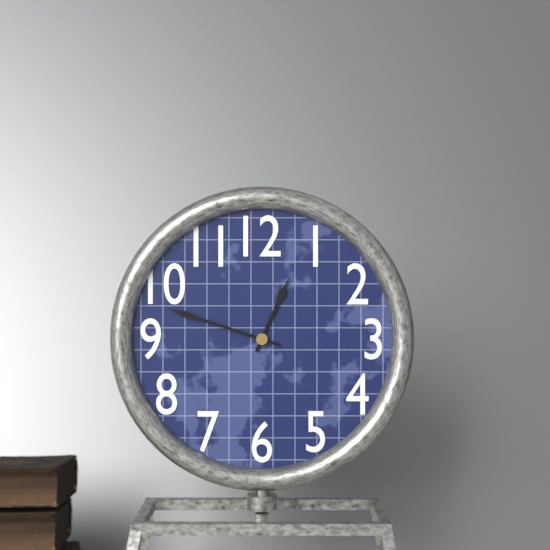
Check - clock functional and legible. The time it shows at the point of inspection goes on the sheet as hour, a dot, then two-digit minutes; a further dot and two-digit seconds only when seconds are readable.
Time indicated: 12.48
